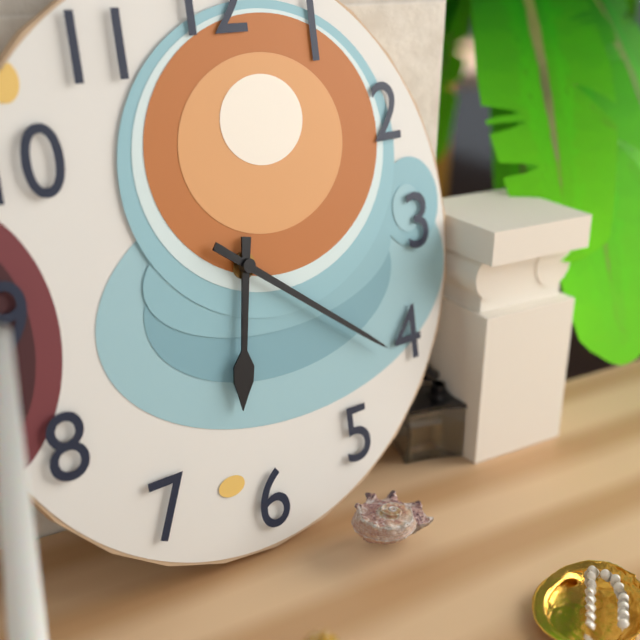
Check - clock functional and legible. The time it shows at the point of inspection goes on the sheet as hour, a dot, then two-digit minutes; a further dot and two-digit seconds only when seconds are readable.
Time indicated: 6.21
